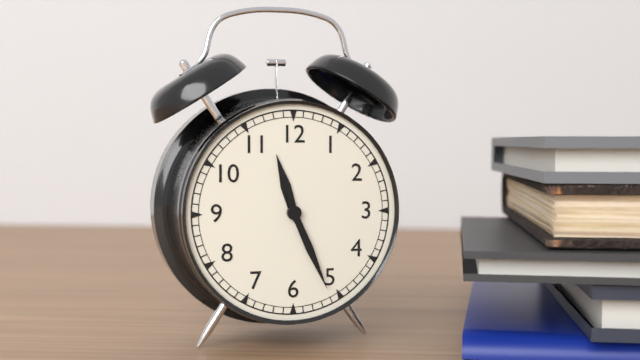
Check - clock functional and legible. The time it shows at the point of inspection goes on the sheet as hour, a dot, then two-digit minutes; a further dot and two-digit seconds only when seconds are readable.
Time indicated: 11.26
